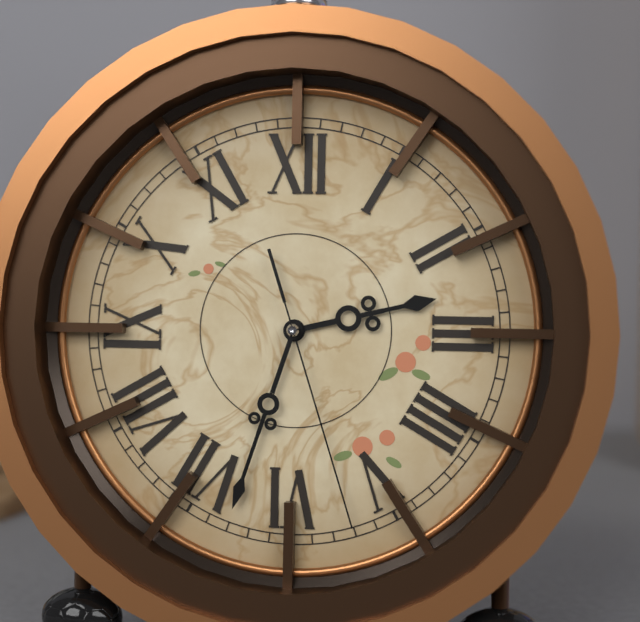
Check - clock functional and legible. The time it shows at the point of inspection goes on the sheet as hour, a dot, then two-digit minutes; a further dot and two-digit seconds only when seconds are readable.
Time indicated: 2.33.27
